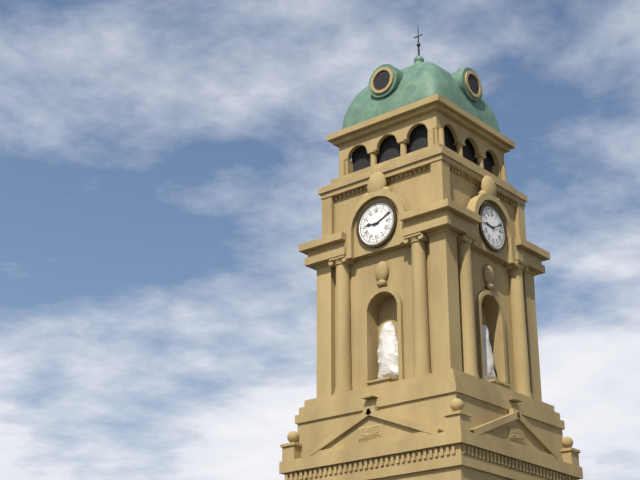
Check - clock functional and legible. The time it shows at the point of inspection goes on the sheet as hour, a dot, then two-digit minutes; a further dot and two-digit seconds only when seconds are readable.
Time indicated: 9.11
